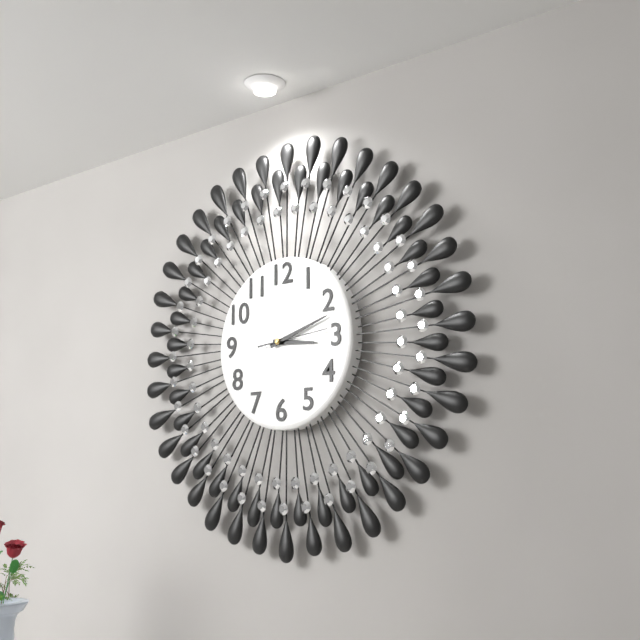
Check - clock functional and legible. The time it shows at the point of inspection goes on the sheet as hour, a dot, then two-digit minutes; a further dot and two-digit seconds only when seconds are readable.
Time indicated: 3.12
